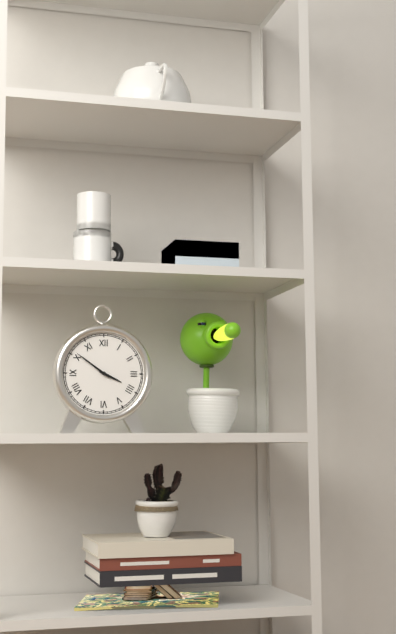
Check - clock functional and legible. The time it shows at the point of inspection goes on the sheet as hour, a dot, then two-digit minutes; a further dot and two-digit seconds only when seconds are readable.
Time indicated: 3.51
